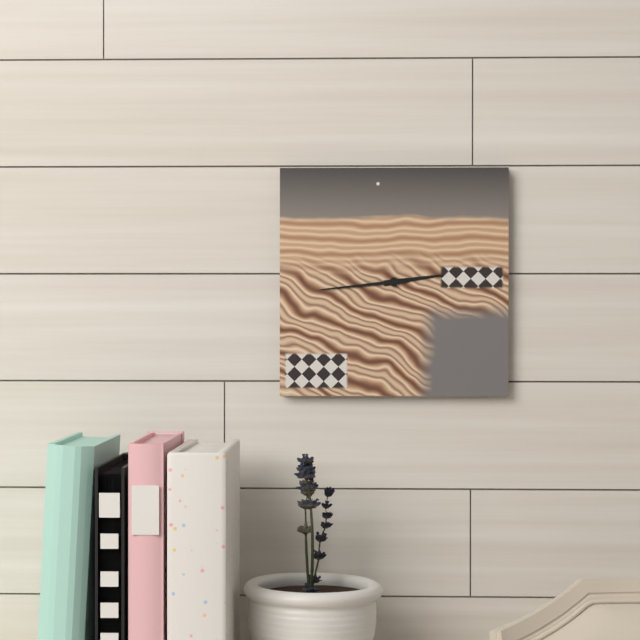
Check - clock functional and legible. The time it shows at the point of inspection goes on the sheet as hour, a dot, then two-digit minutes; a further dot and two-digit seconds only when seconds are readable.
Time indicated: 2.44
